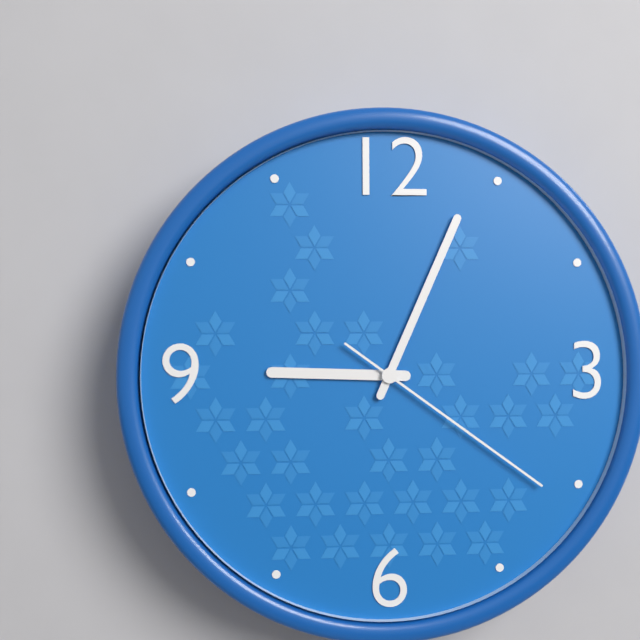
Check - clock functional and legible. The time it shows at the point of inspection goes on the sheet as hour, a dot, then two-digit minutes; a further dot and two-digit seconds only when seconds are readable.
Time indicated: 9.04.21
